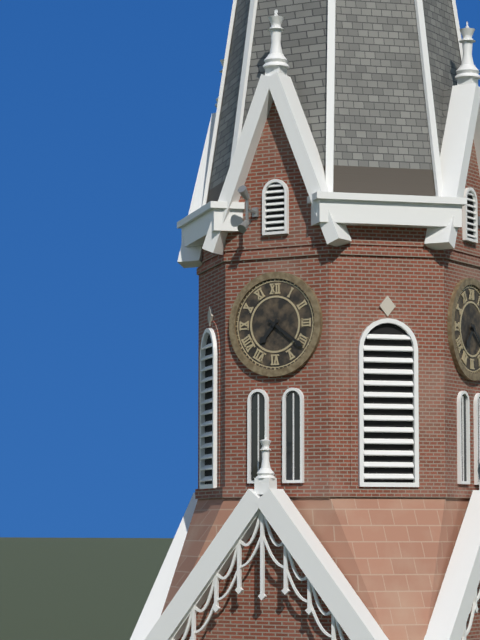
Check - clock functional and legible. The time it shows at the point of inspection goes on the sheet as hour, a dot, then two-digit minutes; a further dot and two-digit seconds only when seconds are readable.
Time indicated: 7.21
